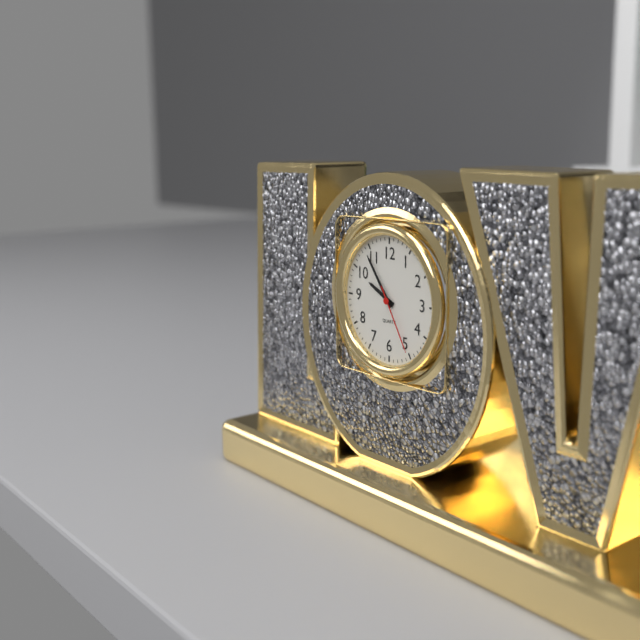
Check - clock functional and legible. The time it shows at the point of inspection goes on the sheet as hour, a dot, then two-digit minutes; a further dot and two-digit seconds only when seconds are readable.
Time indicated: 9.54.25
